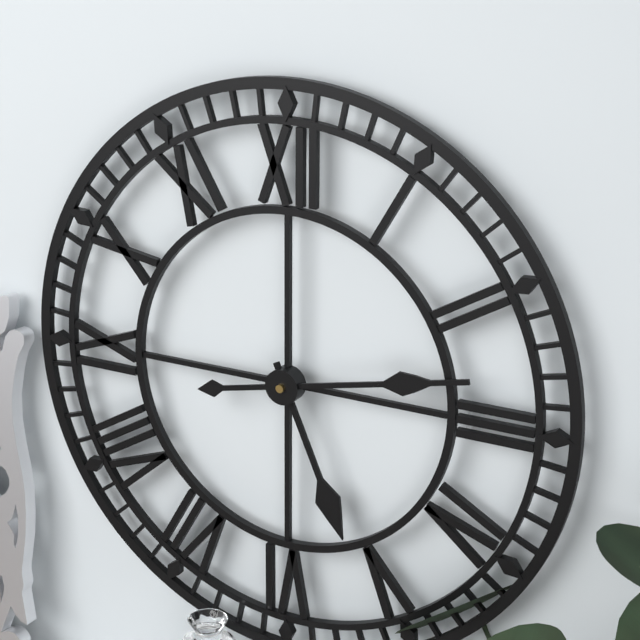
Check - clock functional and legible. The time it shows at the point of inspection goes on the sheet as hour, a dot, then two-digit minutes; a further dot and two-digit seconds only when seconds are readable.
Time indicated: 5.13
